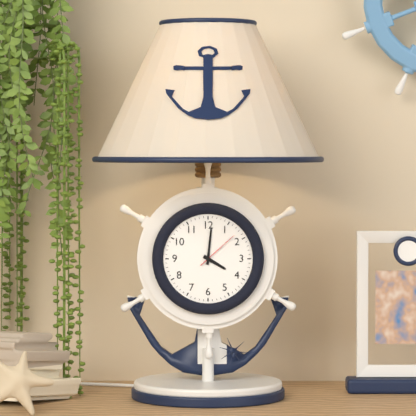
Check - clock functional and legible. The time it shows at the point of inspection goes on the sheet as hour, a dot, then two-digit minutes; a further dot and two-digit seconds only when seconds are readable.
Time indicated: 4.01
